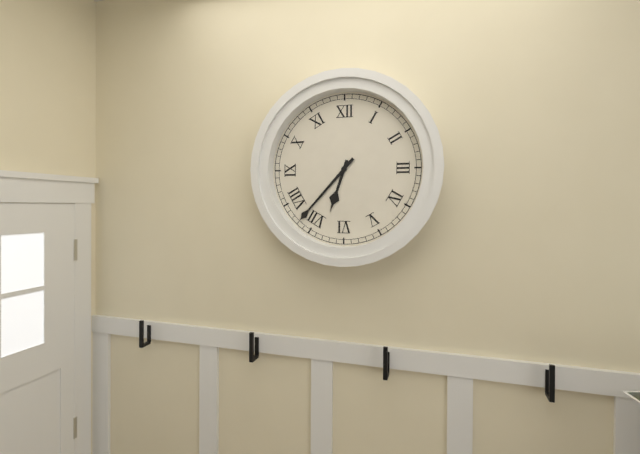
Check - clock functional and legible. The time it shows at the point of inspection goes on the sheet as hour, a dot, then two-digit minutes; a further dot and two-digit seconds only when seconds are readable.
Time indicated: 6.37
